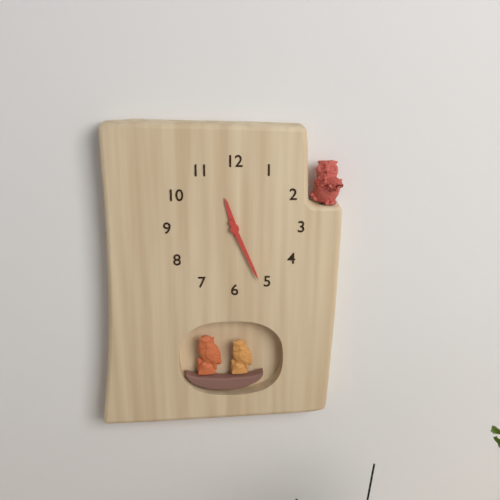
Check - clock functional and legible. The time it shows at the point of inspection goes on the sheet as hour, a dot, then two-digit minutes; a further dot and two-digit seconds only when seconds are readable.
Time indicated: 11.26
